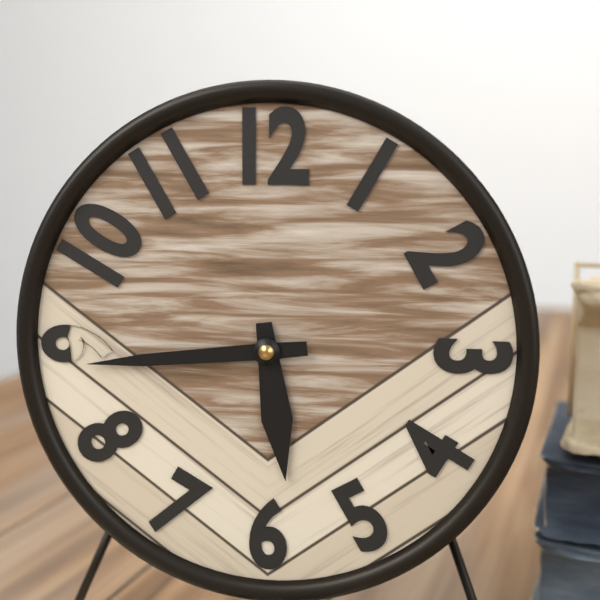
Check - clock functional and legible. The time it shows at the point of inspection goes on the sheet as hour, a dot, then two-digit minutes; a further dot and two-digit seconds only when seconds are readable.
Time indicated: 5.44
